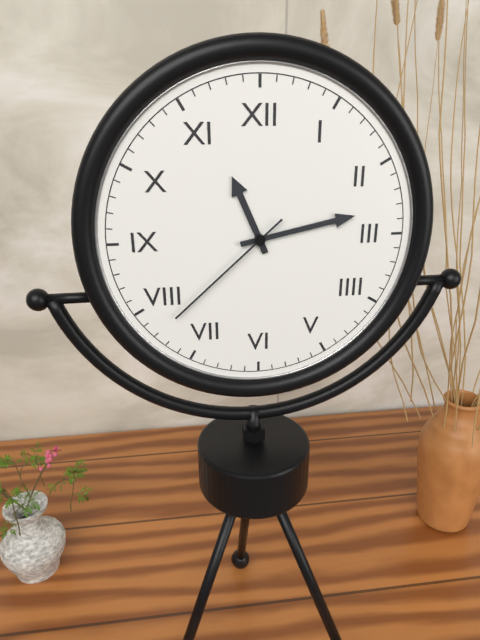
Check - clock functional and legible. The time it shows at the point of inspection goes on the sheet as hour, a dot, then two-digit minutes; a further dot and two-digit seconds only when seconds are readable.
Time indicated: 11.13.38
